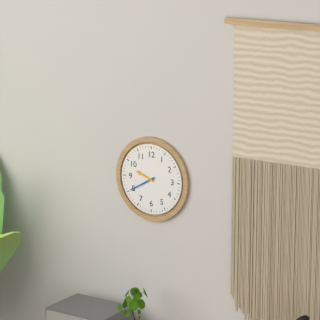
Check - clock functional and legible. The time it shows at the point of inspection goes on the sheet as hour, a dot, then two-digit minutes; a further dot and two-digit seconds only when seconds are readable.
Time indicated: 9.40
